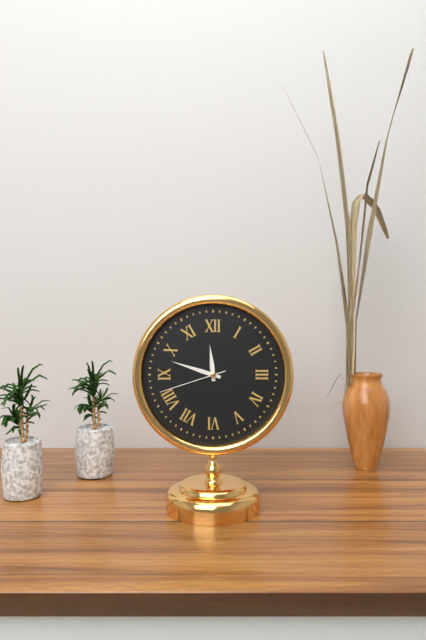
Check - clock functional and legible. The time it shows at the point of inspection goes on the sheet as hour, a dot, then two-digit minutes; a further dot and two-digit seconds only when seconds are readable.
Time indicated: 11.48.42
